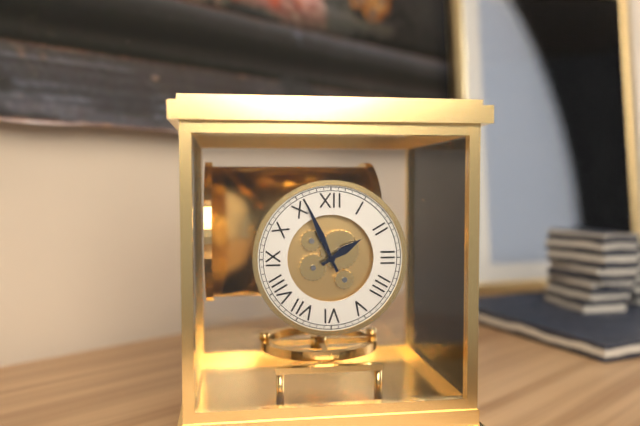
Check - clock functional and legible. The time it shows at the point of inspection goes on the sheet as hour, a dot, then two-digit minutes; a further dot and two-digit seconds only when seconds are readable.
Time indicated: 1.56
